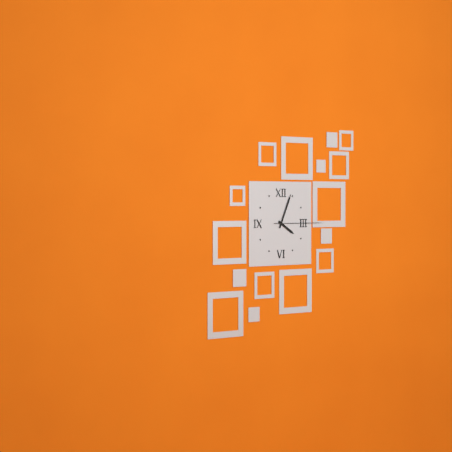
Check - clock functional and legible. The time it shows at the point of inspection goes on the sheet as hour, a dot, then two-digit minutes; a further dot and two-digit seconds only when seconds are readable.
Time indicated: 4.04.15
